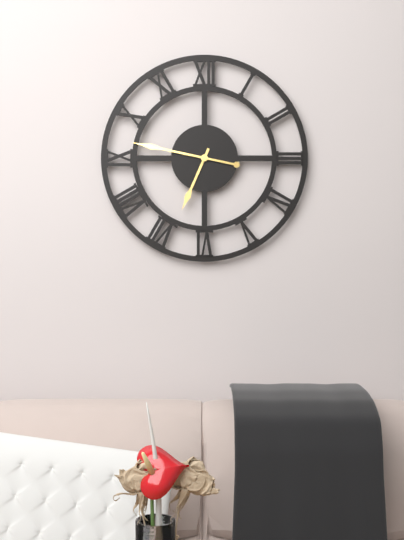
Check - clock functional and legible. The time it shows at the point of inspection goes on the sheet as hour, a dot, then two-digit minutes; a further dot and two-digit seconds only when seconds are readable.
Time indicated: 6.47
